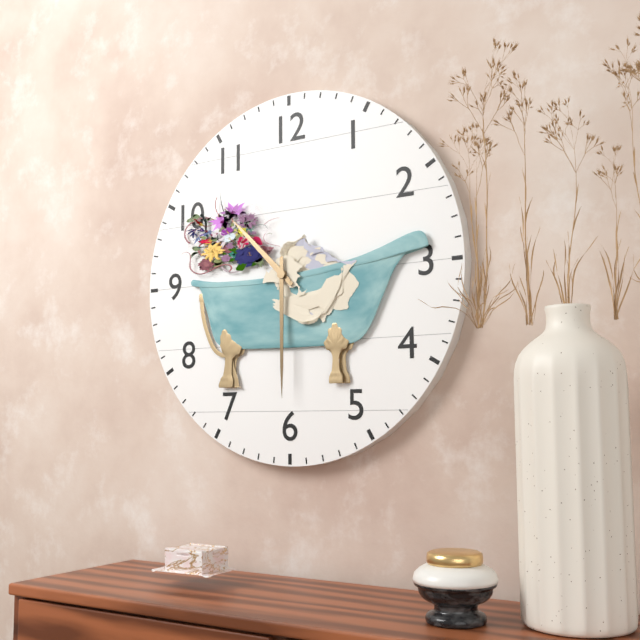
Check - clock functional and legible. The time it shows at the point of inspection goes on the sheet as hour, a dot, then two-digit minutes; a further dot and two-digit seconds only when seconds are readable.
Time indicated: 10.30
